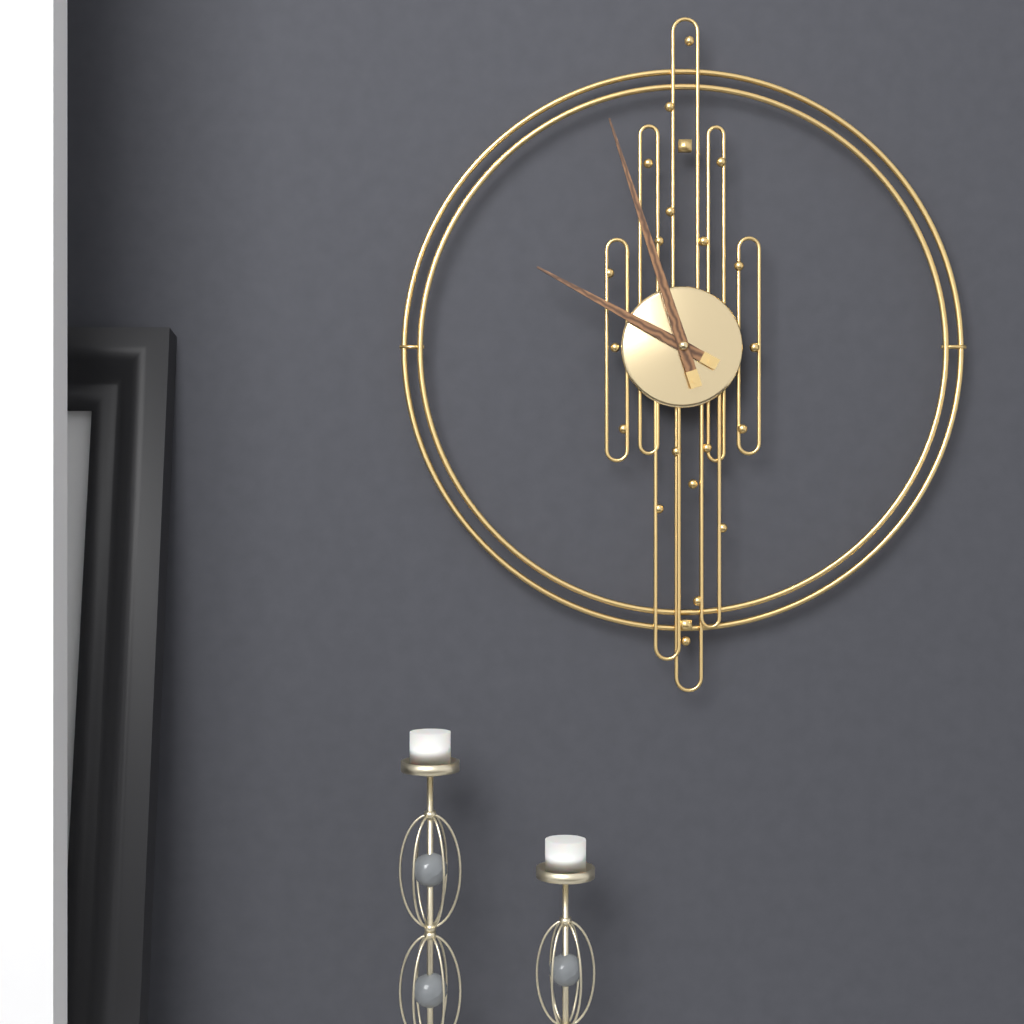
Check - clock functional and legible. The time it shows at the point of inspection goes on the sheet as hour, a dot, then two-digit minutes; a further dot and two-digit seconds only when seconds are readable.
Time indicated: 9.57
